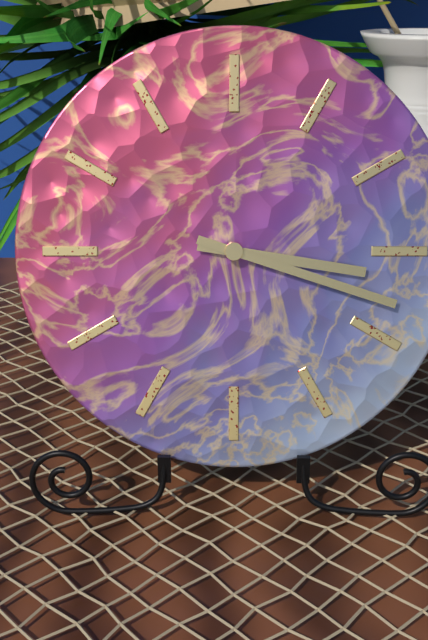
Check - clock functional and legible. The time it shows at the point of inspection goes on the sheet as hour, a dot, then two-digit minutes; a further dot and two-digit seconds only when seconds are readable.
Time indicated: 3.18
